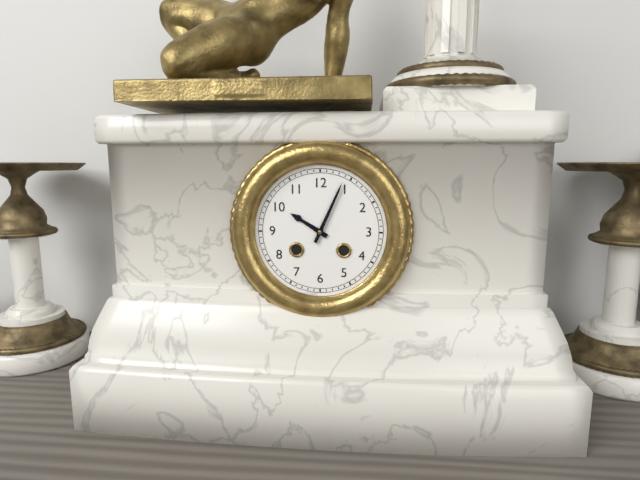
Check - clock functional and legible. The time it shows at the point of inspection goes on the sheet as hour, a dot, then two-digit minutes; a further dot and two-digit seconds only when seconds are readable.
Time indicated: 10.04
